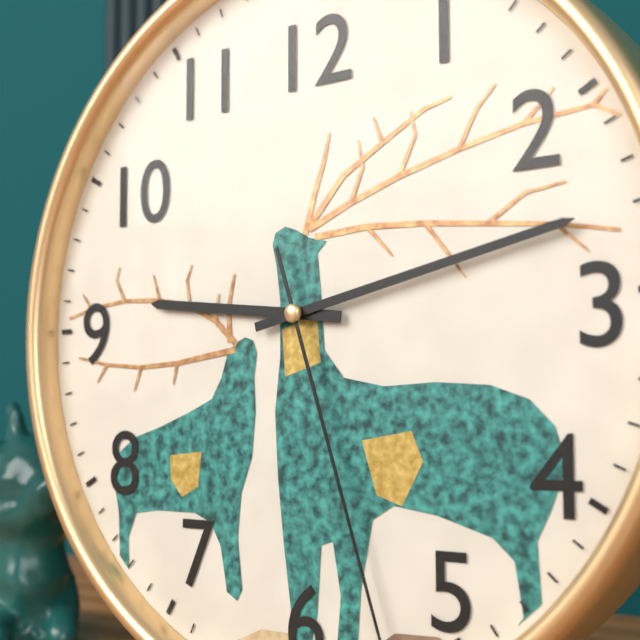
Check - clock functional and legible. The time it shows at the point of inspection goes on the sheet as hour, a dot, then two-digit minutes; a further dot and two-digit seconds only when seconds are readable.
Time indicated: 9.13
